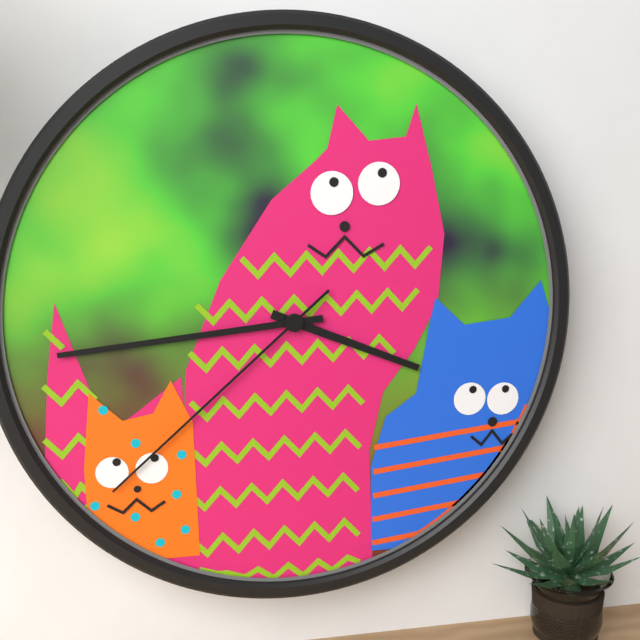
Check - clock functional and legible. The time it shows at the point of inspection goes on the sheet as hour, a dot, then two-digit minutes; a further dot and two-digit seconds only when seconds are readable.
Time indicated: 3.44.38
